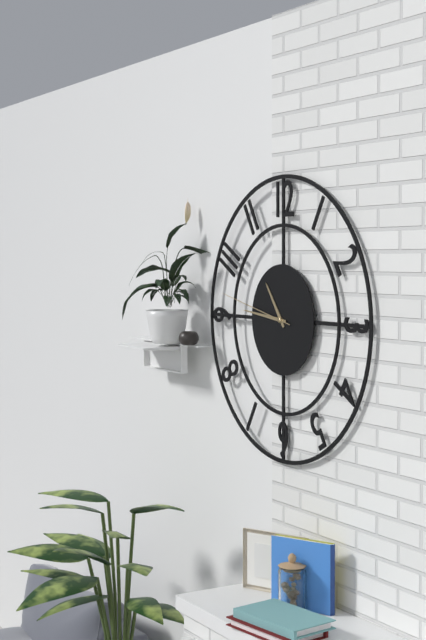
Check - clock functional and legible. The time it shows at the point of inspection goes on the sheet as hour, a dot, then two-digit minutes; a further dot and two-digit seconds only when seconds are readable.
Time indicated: 10.46.47
